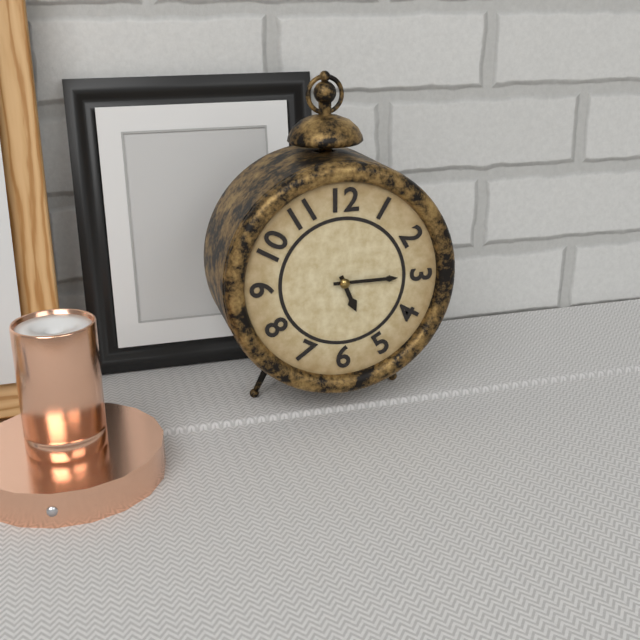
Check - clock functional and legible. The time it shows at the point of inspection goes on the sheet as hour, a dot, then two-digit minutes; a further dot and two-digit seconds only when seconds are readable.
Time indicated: 5.15
